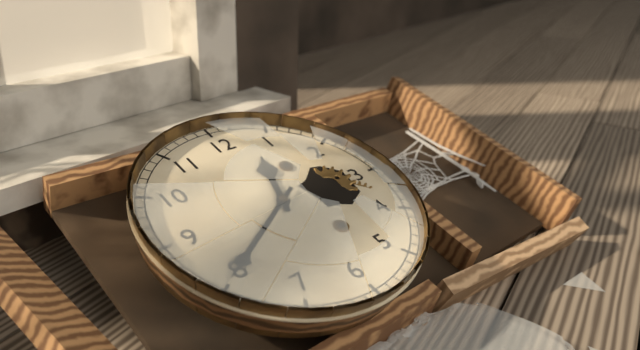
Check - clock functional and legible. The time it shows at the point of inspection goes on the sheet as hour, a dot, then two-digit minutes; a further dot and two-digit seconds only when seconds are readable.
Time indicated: 12.40
